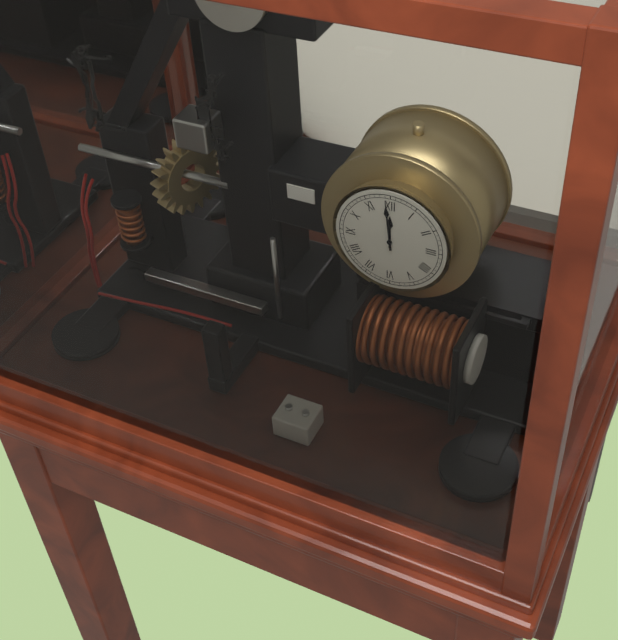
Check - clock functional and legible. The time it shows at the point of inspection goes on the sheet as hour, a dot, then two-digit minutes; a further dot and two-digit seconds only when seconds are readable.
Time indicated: 11.59
